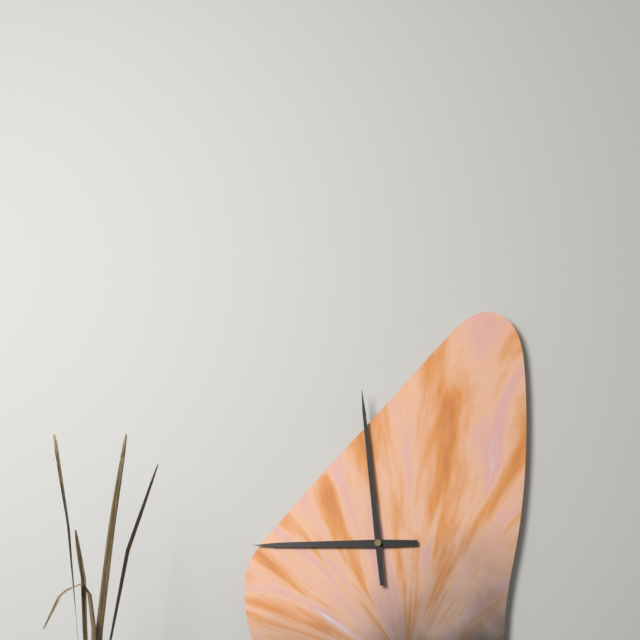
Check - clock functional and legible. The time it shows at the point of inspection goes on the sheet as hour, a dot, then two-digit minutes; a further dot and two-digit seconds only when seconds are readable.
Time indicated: 8.59
